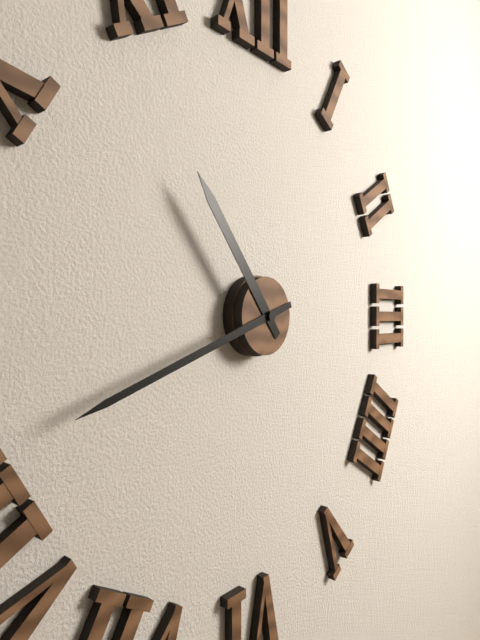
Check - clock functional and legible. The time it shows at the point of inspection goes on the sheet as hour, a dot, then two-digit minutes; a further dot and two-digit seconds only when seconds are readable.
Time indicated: 10.42
